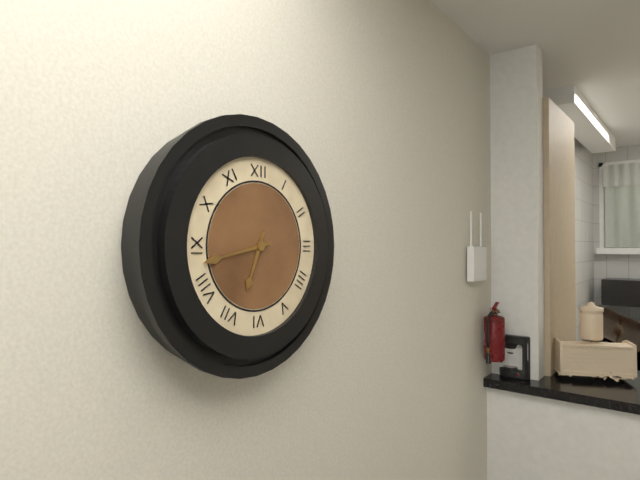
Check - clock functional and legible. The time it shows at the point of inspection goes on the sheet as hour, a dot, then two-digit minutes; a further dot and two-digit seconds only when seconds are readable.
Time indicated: 6.43
